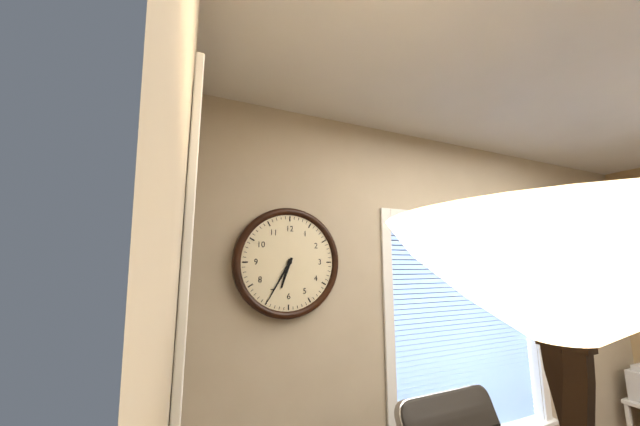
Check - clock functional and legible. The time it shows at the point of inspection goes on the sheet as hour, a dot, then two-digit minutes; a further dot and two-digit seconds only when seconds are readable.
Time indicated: 6.35
